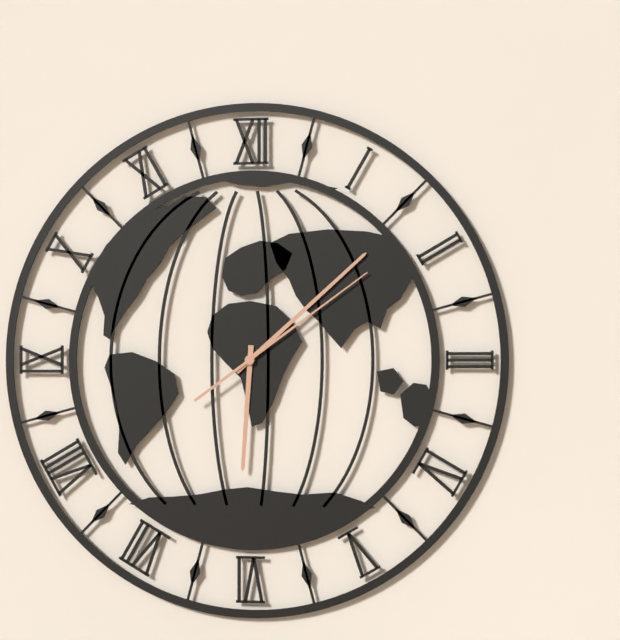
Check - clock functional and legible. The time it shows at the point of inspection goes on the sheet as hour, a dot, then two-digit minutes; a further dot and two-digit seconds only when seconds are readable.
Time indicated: 6.08.09
